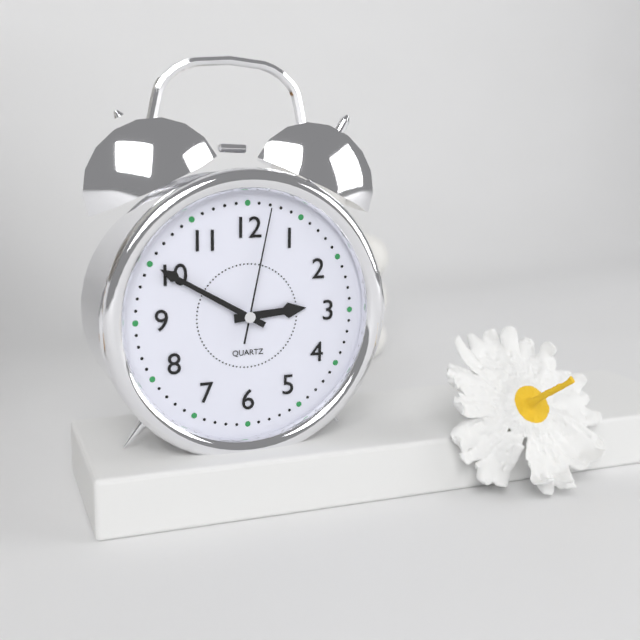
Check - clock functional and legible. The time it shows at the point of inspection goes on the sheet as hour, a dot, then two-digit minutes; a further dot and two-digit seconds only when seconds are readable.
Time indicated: 2.50.02
